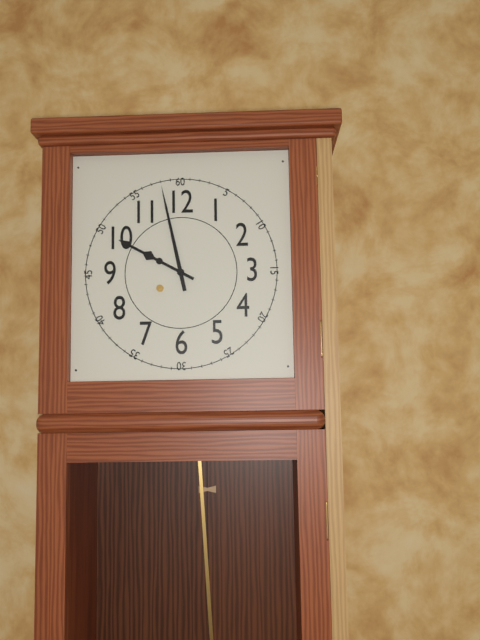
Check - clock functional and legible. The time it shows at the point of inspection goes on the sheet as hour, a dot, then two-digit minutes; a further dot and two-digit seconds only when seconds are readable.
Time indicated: 9.58
